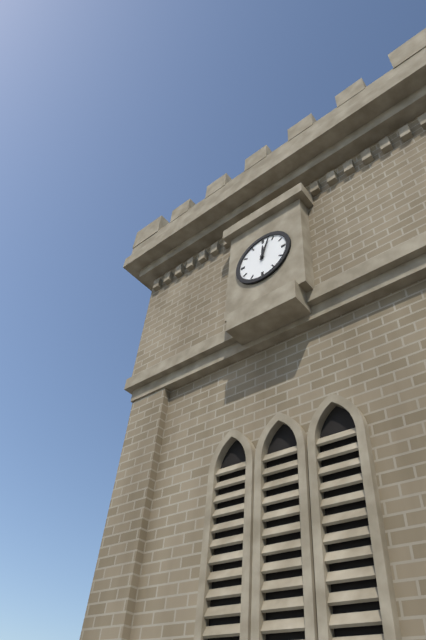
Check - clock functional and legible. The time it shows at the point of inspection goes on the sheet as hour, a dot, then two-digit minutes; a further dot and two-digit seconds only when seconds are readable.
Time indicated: 12.03
